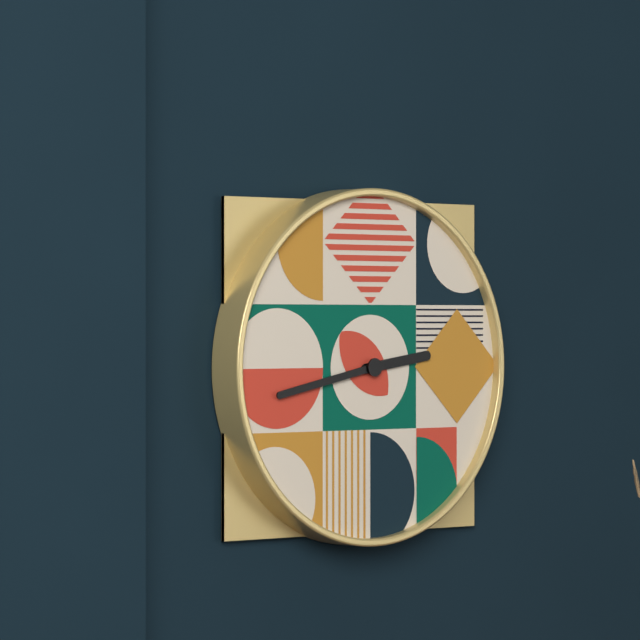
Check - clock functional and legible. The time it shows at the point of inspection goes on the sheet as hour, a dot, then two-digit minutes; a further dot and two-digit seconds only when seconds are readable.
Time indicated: 2.43
